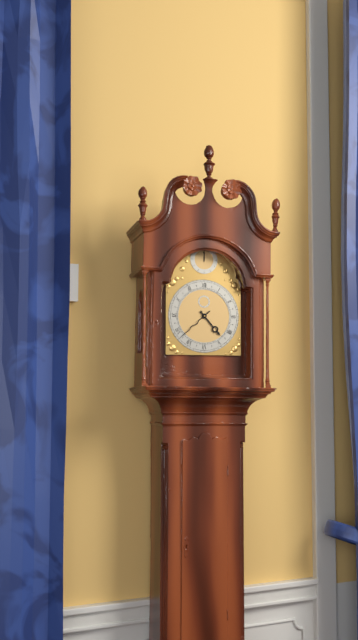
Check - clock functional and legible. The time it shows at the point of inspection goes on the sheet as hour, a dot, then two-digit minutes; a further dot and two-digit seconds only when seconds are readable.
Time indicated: 4.38
